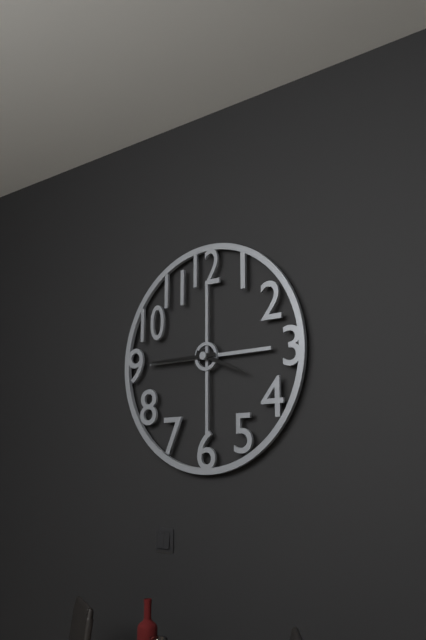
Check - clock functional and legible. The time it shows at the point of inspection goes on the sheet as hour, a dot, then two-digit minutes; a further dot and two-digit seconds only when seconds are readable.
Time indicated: 3.45
